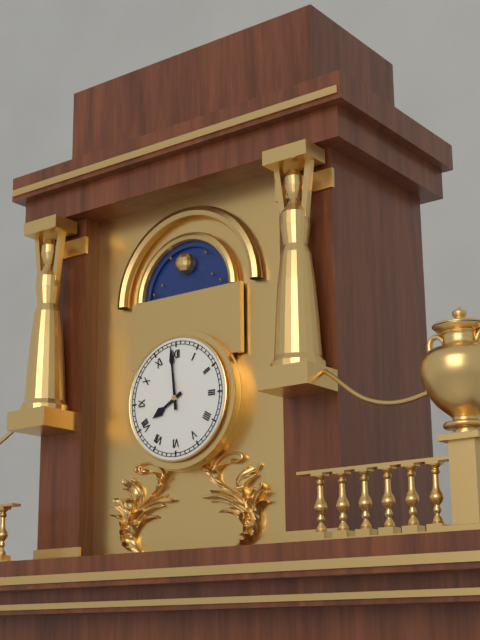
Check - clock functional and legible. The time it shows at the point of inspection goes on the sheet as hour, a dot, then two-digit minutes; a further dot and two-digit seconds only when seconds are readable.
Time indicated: 7.59
